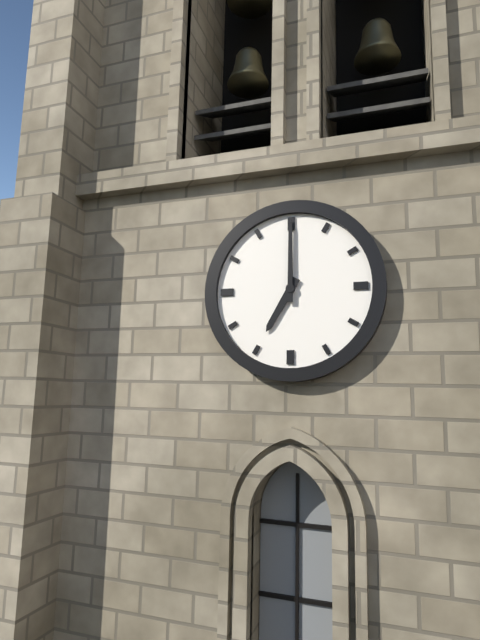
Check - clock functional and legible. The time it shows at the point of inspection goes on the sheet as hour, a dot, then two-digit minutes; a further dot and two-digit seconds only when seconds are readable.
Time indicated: 7.00
